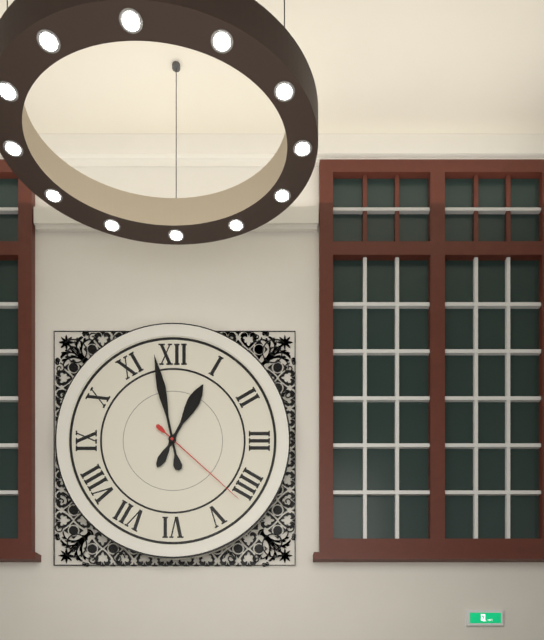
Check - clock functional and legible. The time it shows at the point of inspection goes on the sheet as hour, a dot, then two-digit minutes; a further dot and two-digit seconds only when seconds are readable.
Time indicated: 12.58.22
